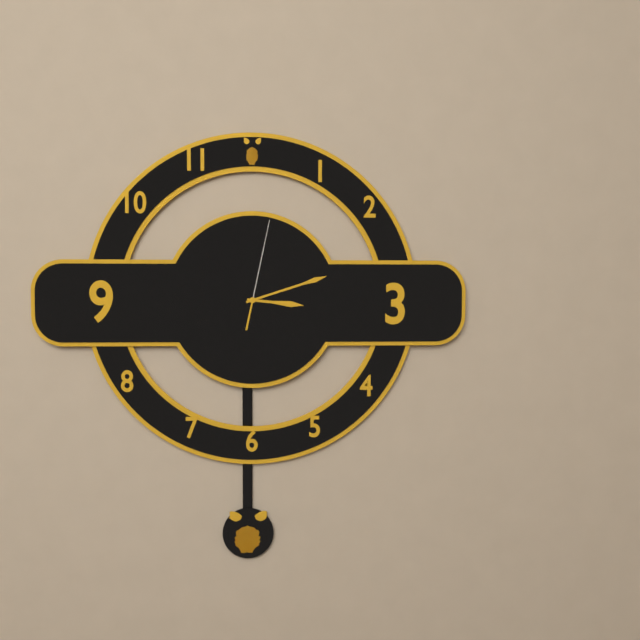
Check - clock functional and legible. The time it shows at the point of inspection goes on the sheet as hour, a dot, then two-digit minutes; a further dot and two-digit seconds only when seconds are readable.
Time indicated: 3.12.02
